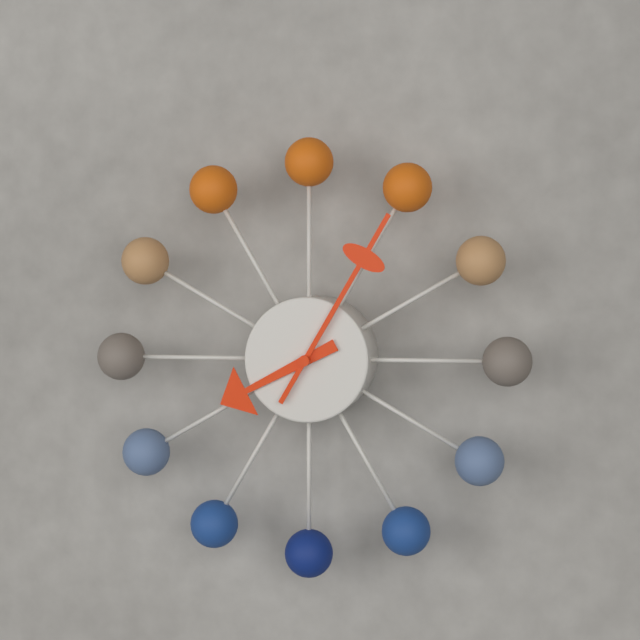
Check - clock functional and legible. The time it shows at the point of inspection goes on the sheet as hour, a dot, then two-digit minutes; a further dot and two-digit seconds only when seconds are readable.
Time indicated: 8.05
